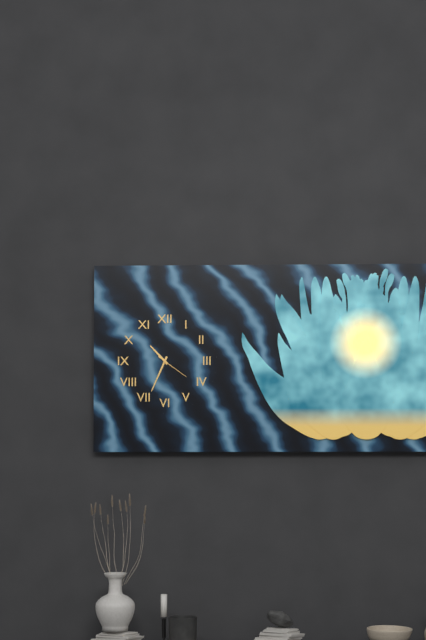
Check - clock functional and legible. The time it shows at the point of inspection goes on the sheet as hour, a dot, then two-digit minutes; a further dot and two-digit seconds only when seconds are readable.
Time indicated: 10.34
